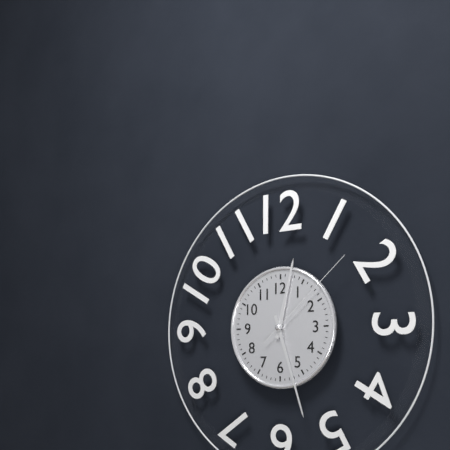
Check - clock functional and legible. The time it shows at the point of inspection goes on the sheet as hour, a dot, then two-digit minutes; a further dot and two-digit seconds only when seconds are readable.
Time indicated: 12.27.08
